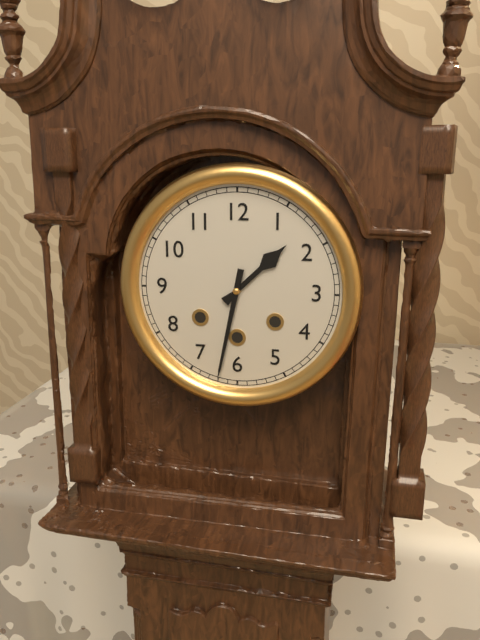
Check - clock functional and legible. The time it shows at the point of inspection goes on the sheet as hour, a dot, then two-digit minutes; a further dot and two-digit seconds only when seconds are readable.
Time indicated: 1.32
